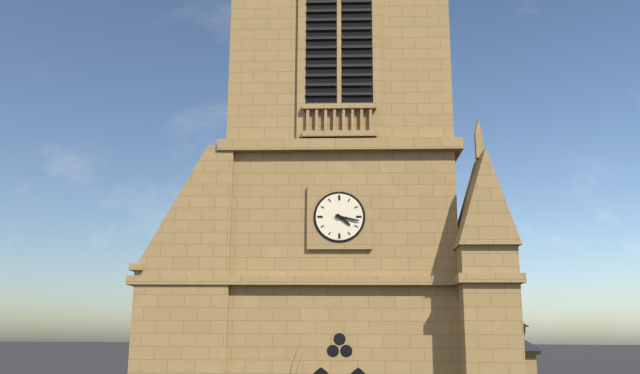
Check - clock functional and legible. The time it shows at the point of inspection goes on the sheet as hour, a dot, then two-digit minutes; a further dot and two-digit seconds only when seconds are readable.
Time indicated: 4.17
